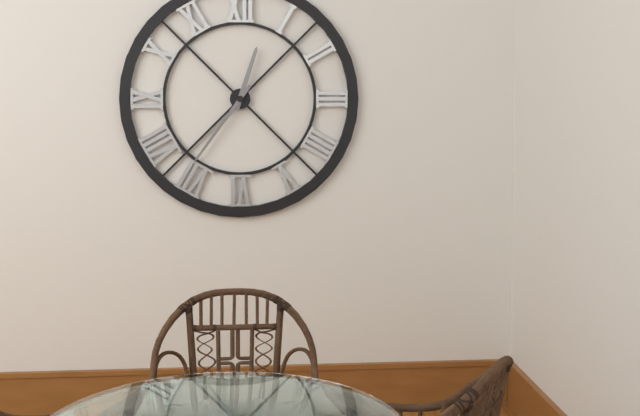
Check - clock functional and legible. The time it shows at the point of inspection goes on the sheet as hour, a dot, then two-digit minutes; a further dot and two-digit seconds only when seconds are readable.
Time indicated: 12.36
